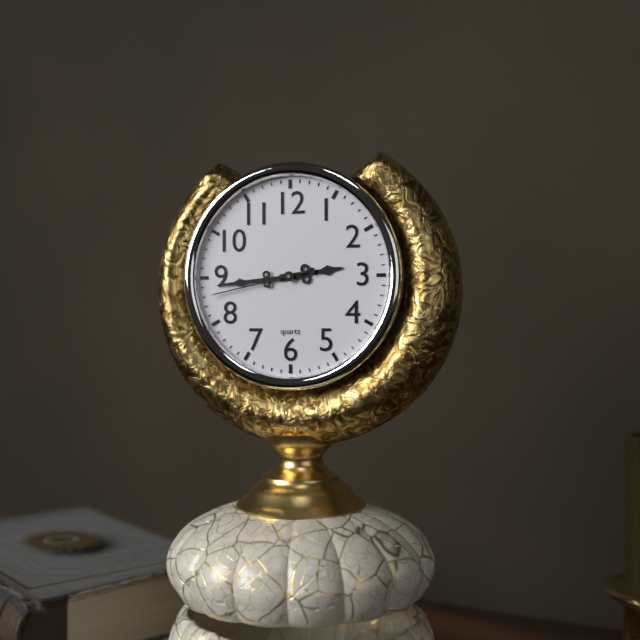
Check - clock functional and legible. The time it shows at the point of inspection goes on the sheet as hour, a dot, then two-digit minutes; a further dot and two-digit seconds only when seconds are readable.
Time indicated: 2.44.43
